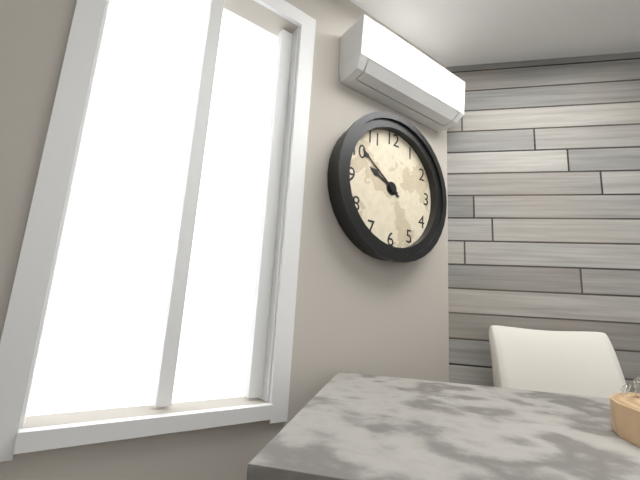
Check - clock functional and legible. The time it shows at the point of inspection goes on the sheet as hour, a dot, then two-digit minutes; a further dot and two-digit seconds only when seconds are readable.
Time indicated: 9.51
